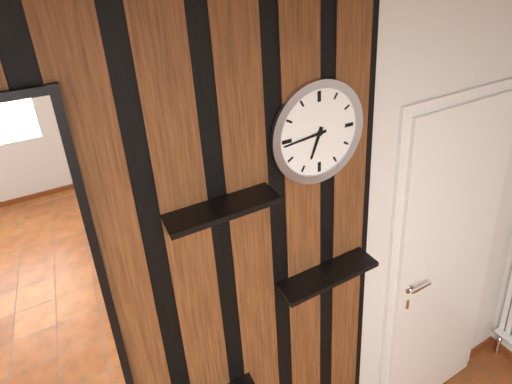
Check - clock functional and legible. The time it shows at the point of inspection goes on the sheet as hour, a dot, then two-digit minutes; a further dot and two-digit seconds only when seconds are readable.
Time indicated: 6.44
